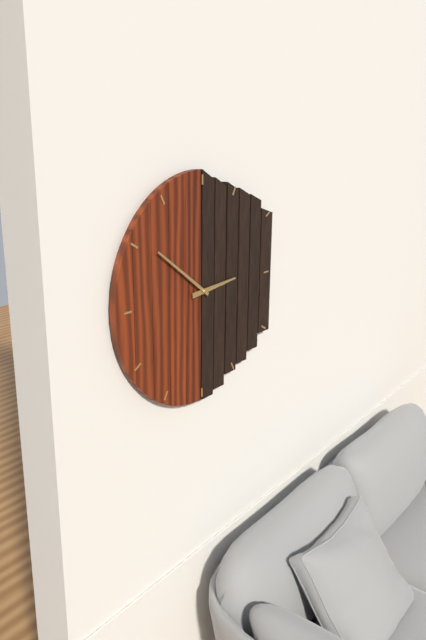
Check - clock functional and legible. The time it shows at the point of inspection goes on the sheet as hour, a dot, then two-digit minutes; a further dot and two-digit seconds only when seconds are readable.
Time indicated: 2.51
